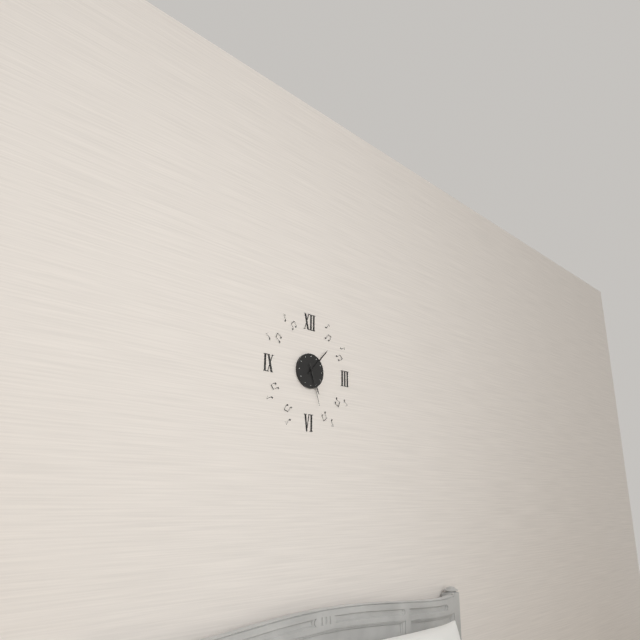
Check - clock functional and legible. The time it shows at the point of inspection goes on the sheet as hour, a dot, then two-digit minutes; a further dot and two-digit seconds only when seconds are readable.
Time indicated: 5.07
